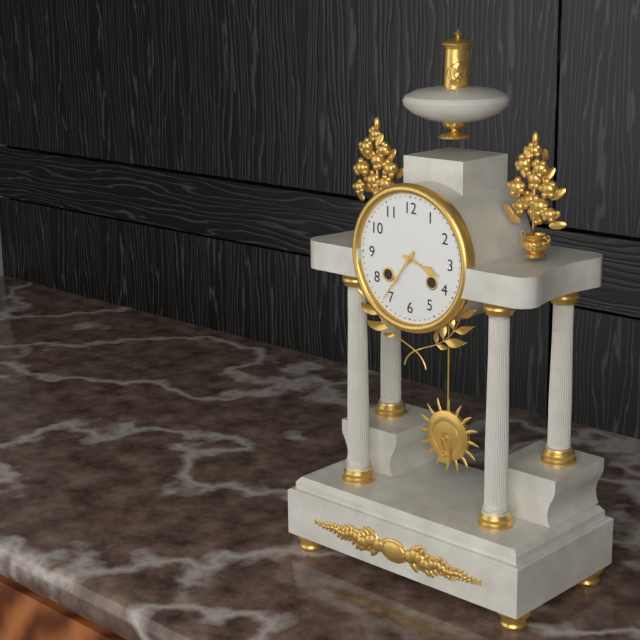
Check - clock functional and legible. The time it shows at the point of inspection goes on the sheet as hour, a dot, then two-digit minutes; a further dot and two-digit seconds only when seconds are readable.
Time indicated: 3.36
